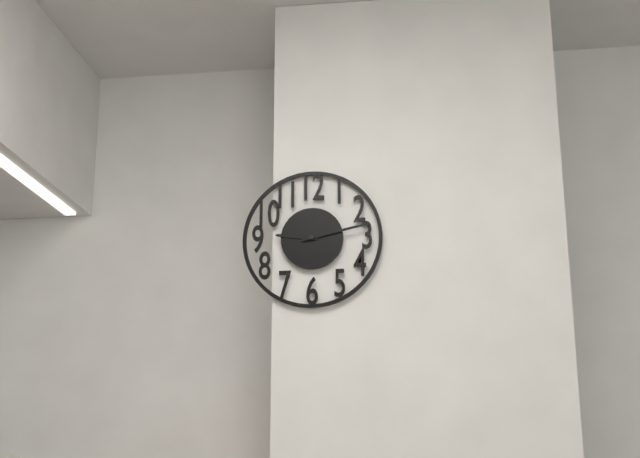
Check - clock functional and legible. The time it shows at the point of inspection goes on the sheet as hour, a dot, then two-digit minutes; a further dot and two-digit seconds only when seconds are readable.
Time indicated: 9.13
